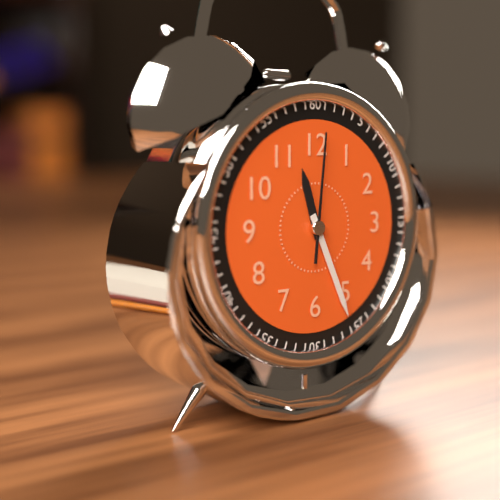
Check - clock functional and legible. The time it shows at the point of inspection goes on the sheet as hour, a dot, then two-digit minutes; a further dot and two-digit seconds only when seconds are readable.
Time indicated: 11.26.01
